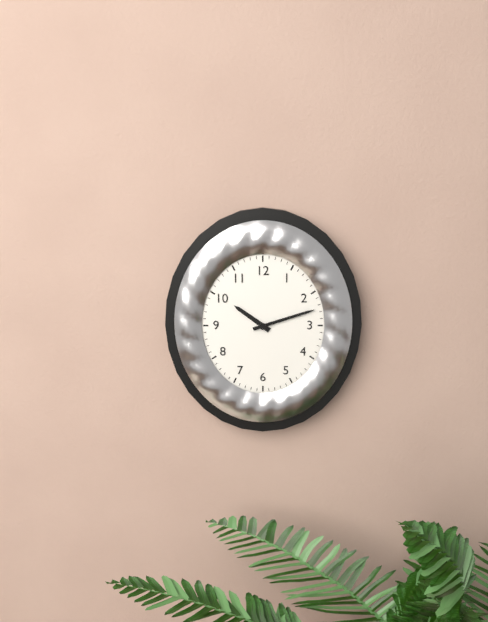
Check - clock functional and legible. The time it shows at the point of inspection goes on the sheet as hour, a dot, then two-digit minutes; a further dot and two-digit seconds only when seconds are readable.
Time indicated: 10.12
